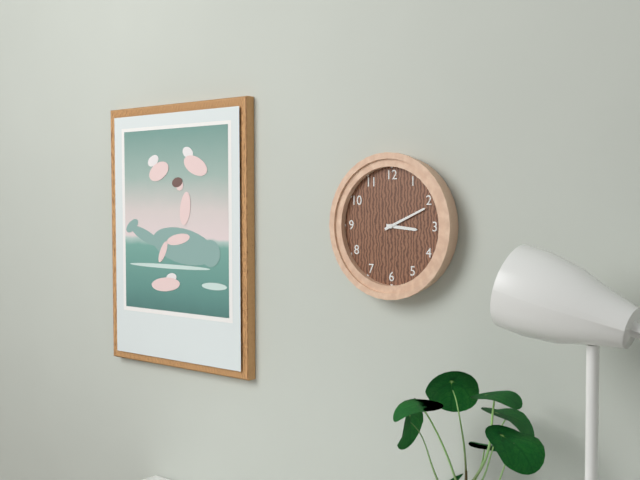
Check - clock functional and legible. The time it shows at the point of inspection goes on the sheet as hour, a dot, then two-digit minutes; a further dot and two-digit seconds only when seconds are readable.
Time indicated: 3.11
